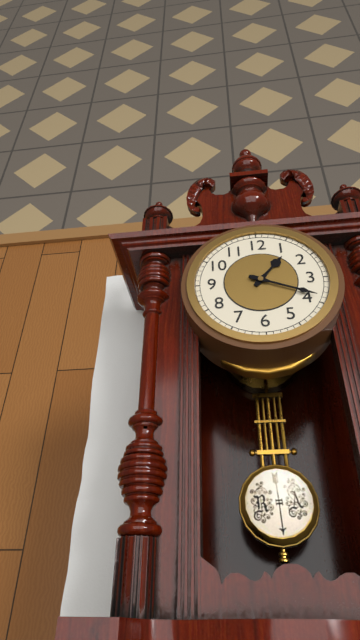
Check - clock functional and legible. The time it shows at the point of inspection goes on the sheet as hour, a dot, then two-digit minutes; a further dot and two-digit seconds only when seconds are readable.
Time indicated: 1.19
